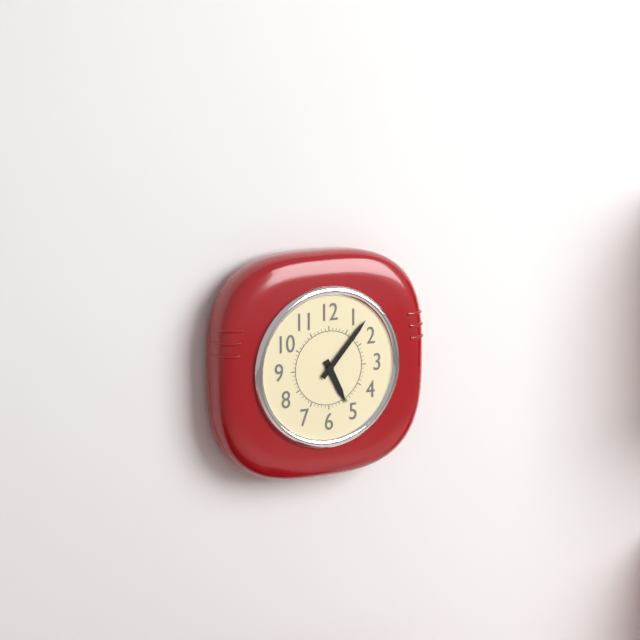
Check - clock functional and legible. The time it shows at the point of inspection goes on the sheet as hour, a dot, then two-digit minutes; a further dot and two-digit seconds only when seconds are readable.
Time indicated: 5.07
